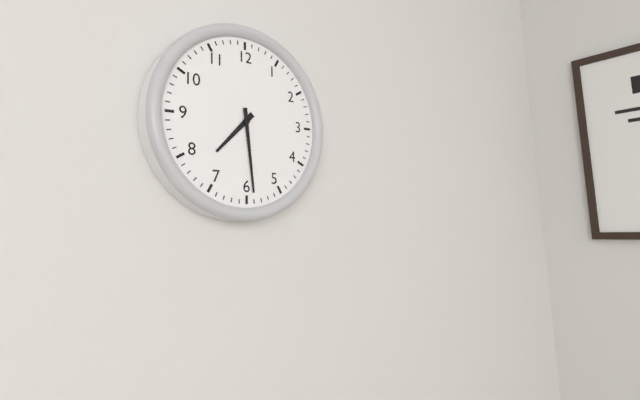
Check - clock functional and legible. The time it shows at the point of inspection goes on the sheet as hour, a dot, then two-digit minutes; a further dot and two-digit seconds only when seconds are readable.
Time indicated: 7.29
